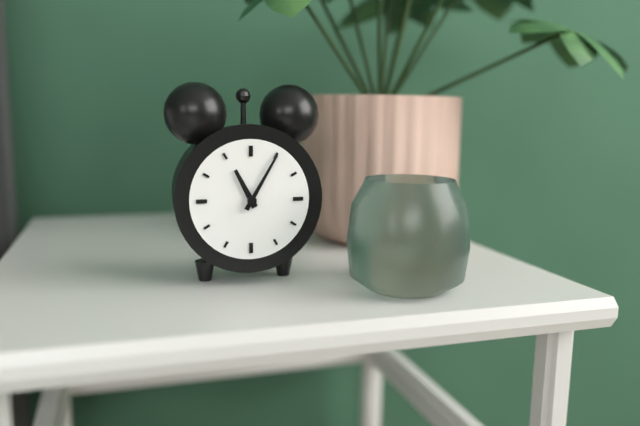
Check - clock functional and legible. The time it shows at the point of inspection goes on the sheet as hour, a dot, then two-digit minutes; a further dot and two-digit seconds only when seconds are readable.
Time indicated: 11.05
